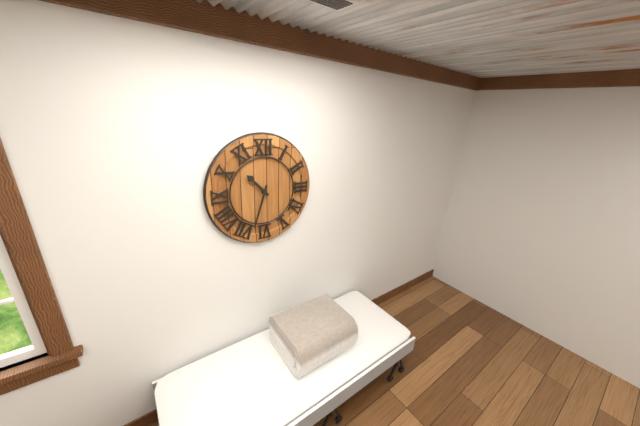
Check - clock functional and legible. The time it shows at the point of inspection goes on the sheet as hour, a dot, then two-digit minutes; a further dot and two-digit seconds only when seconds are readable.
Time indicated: 10.33
